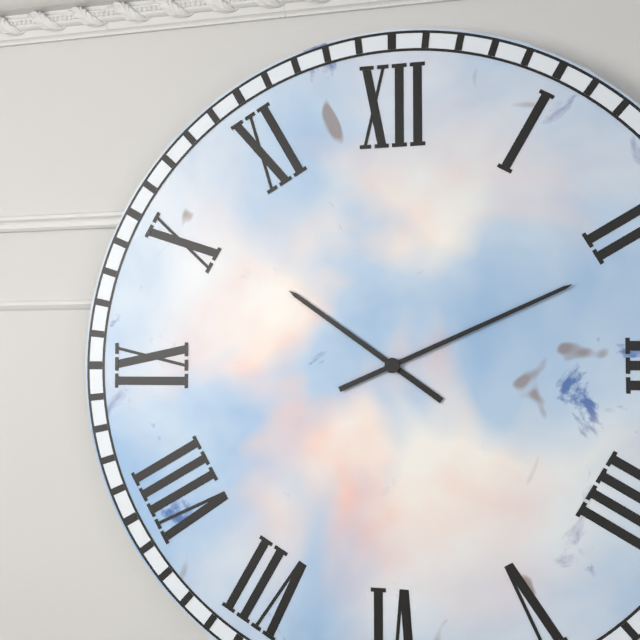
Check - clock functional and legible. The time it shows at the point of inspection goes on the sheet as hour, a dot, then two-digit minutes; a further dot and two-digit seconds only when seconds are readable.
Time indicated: 10.11
